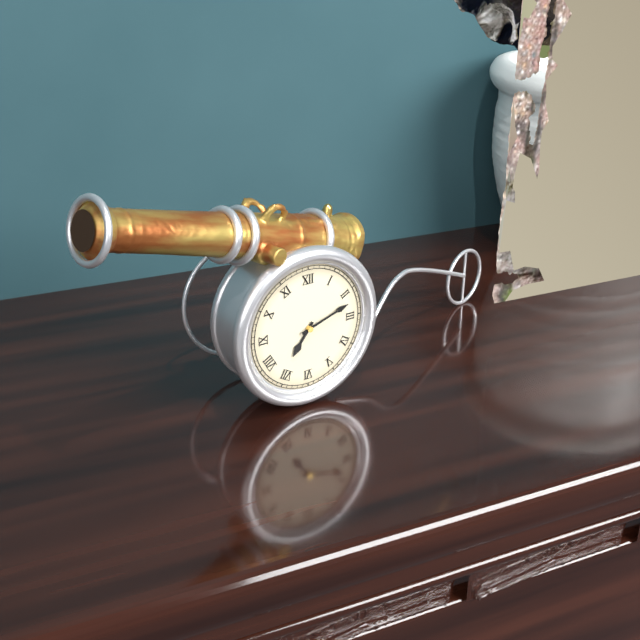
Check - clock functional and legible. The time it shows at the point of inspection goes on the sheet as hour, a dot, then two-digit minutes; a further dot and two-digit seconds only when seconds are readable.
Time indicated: 7.12
